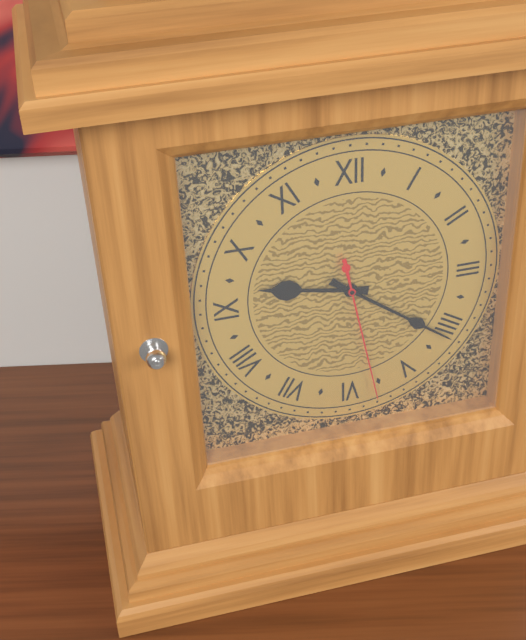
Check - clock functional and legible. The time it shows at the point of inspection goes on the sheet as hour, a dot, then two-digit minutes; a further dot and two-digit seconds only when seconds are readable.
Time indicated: 9.21.28
